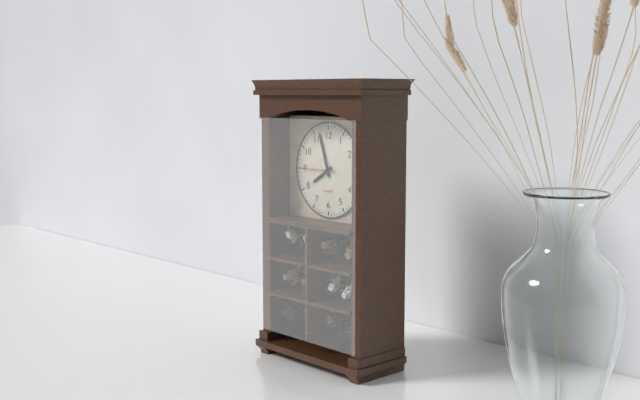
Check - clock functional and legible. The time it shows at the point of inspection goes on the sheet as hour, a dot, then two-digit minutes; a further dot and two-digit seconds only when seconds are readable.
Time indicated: 7.57
